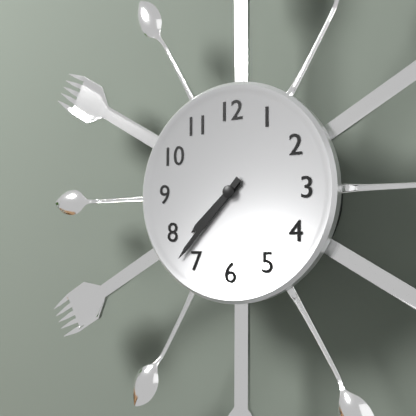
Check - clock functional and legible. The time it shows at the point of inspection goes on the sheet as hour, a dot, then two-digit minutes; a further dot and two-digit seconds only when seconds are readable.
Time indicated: 7.37
